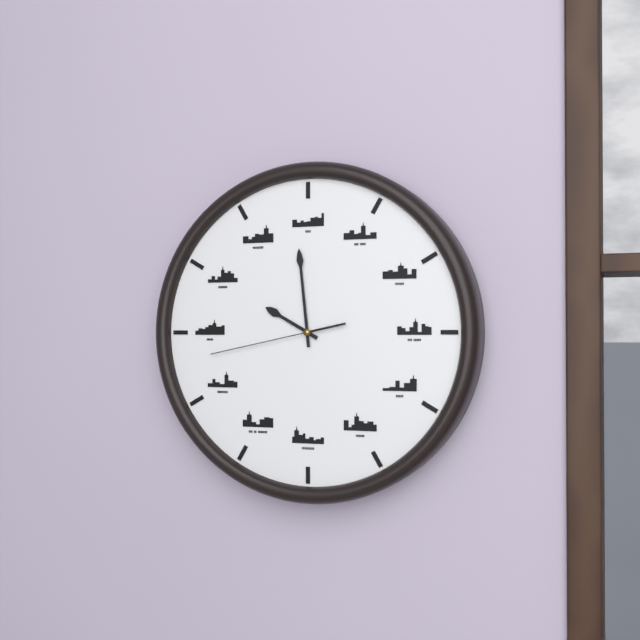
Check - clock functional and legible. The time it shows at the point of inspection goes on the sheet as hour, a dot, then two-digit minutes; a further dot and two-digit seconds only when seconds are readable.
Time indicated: 9.59.43
